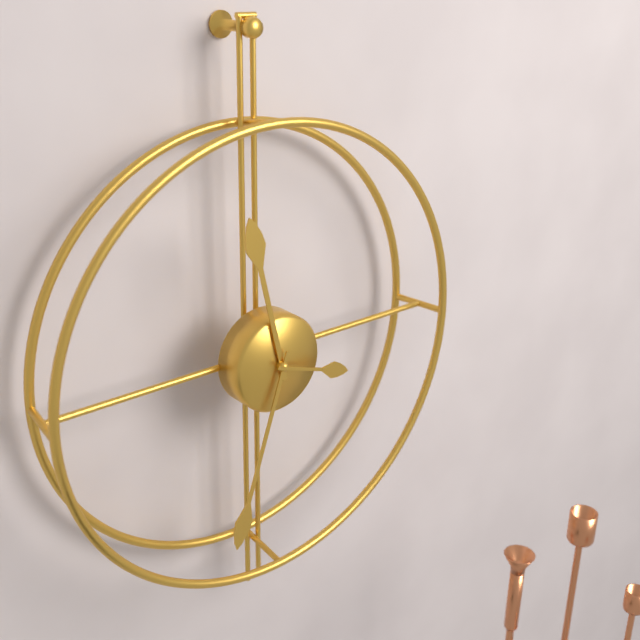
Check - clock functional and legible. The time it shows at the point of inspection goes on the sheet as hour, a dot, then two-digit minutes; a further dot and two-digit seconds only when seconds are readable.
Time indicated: 11.33.18
